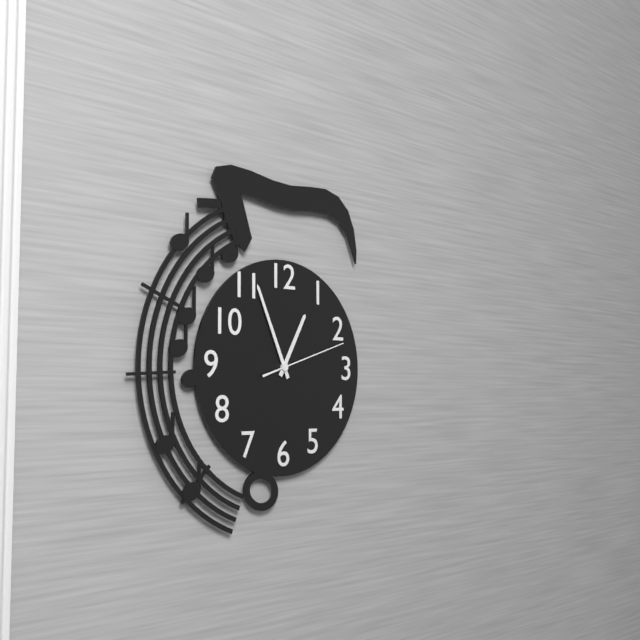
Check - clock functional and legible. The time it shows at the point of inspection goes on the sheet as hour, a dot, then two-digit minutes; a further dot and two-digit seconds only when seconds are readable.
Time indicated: 12.56.12
